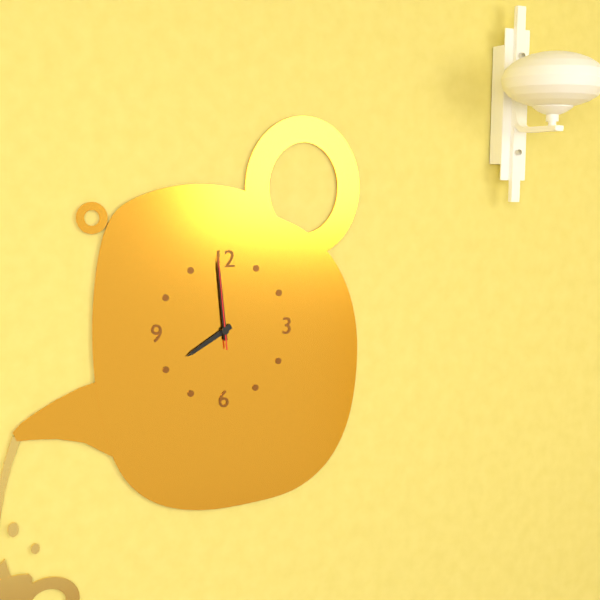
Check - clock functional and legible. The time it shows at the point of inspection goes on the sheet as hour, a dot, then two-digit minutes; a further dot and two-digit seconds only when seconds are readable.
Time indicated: 7.59.59
